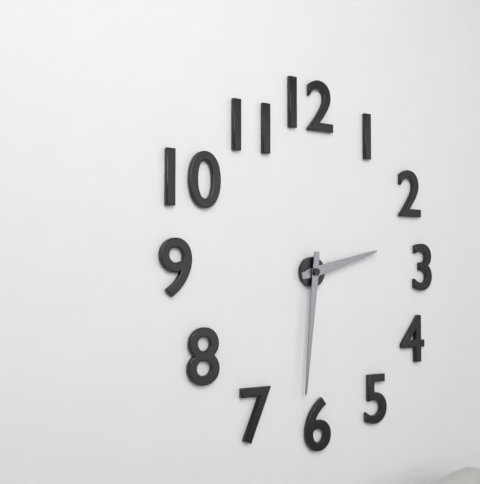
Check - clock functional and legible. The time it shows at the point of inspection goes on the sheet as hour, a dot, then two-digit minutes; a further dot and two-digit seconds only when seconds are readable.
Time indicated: 2.31
